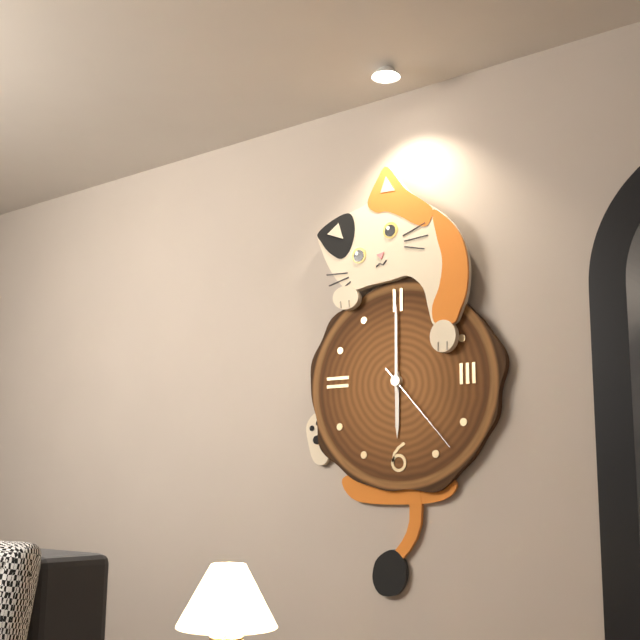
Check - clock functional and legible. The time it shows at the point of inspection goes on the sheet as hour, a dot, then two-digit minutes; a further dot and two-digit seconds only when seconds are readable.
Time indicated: 6.00.23
